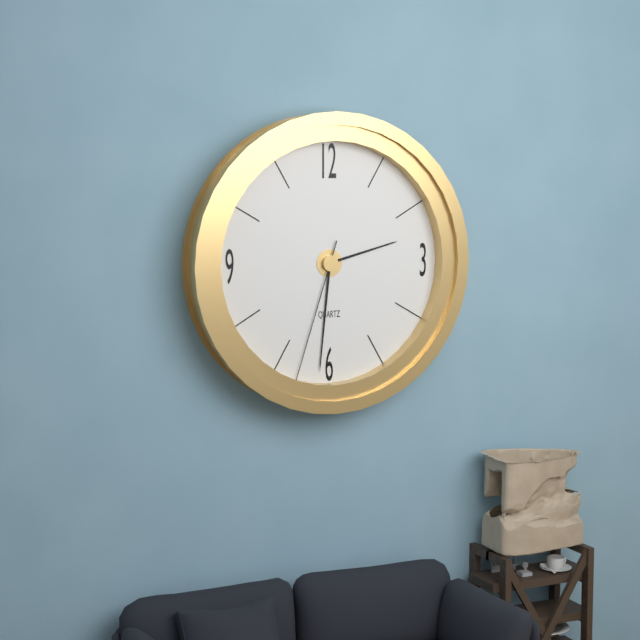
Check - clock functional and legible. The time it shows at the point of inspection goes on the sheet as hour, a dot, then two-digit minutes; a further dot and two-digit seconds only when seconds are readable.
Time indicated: 2.31.33
